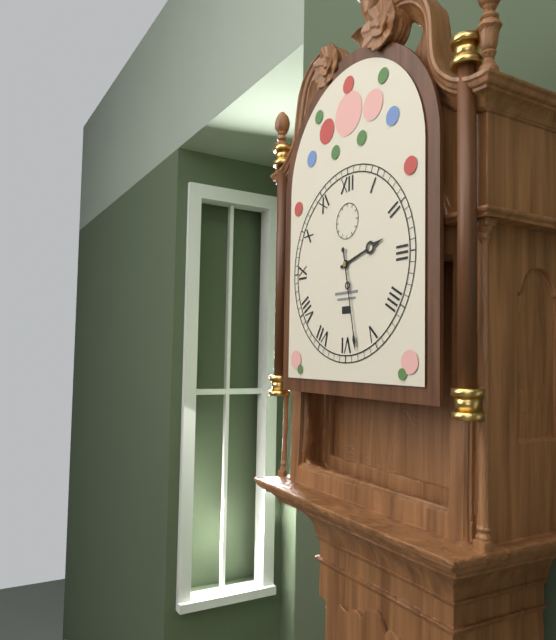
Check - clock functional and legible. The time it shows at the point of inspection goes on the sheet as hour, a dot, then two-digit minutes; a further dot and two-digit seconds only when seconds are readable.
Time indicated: 2.28
